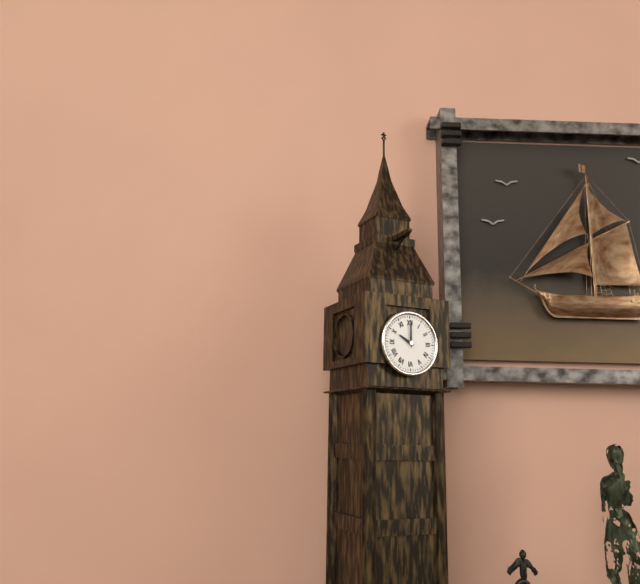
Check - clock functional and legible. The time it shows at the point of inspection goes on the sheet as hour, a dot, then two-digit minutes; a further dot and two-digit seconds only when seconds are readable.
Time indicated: 10.00
